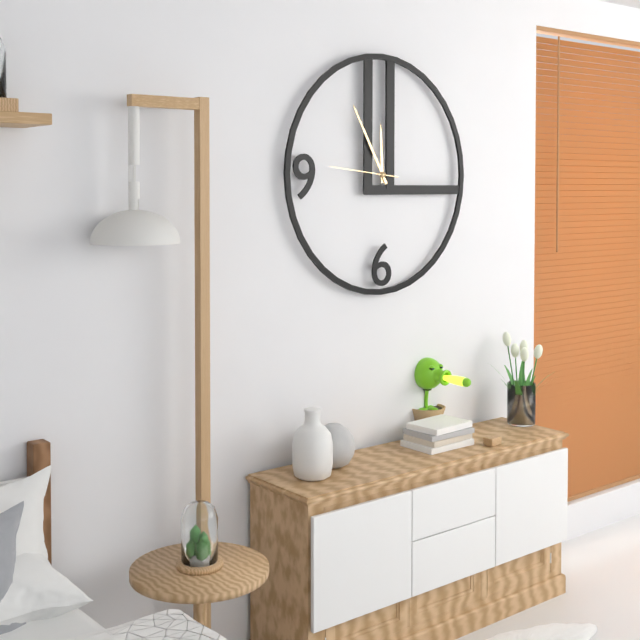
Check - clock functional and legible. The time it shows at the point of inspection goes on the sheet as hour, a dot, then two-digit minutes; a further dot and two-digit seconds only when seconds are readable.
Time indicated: 11.55.46
